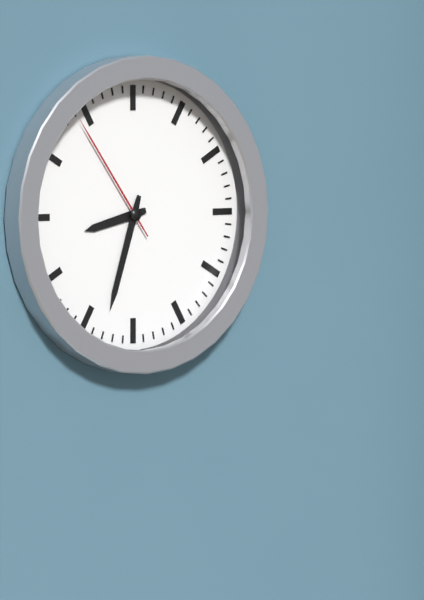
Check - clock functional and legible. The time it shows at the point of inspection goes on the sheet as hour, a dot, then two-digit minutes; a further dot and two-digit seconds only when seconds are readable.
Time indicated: 8.33.54
